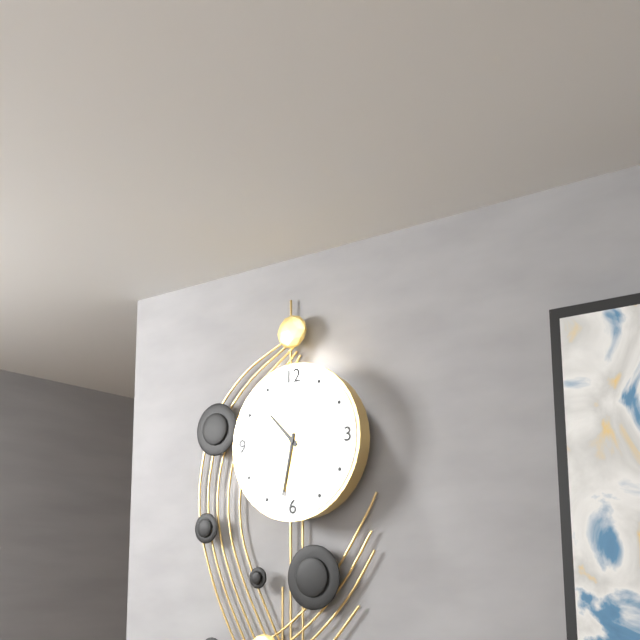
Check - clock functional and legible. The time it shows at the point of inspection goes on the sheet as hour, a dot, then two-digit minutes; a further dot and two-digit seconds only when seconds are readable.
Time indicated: 10.32.47
